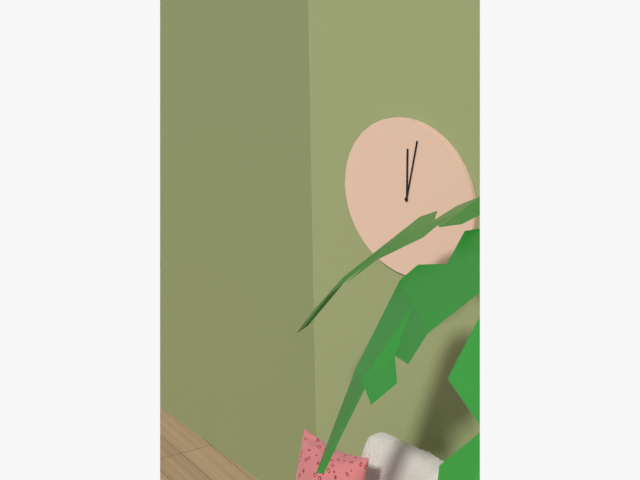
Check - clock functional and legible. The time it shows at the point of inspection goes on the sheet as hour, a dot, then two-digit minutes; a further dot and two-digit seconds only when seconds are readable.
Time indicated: 12.02
